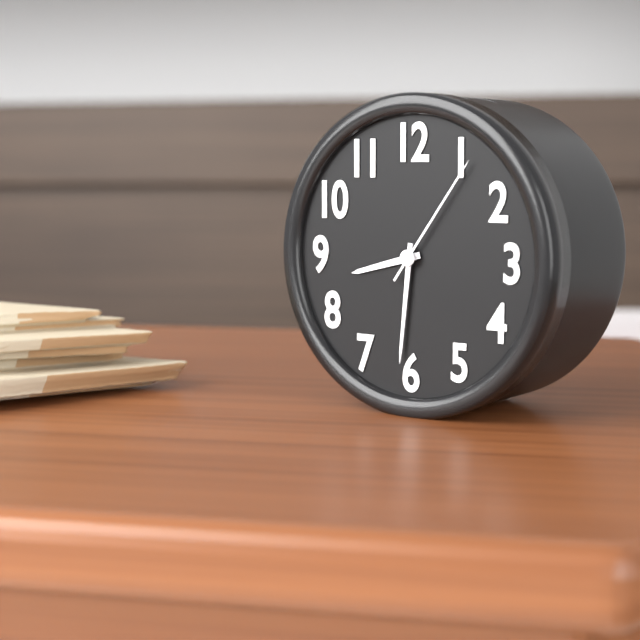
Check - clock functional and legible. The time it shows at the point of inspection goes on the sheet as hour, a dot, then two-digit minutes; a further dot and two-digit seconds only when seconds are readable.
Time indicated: 8.31.06
